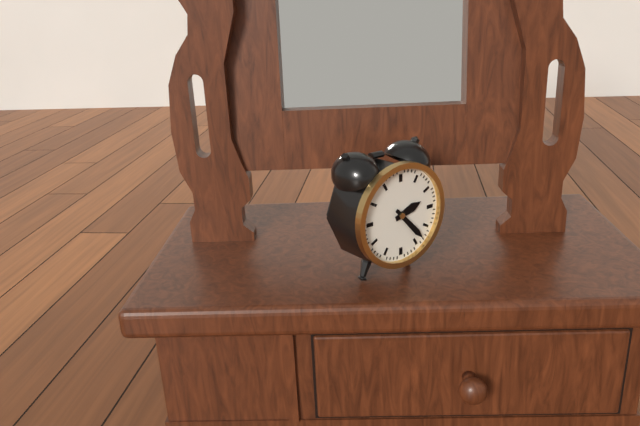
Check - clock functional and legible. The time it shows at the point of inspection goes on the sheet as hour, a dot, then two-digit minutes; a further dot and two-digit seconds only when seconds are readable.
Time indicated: 2.23
